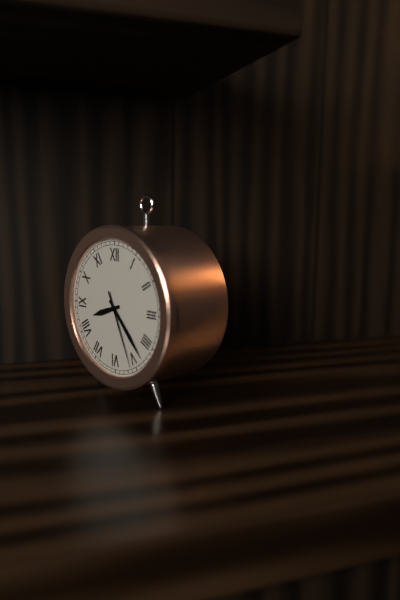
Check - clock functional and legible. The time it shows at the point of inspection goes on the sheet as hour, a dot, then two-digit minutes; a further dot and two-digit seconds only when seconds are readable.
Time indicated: 8.23.26
